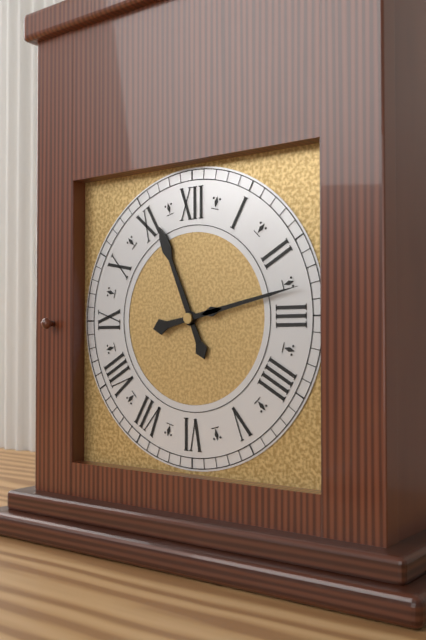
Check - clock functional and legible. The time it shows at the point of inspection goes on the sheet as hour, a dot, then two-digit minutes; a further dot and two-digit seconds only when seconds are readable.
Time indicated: 11.13
